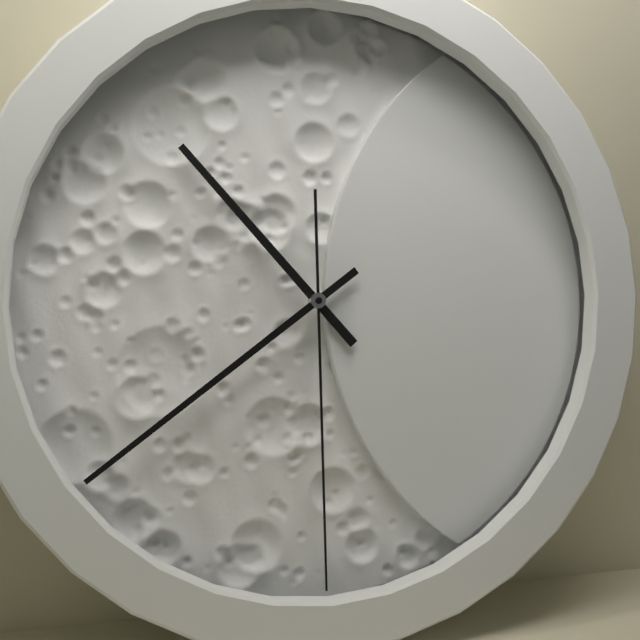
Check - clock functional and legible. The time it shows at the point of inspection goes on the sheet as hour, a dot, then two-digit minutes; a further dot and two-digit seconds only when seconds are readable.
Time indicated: 10.39.30
